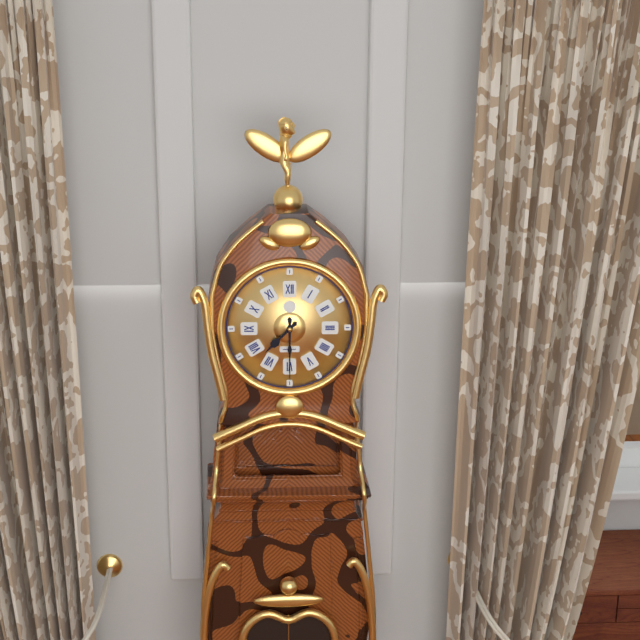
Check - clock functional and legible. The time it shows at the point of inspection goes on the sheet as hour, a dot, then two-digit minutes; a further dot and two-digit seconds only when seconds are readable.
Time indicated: 7.30
